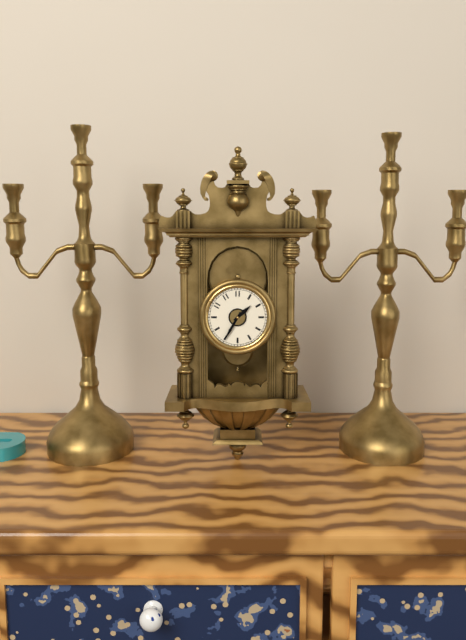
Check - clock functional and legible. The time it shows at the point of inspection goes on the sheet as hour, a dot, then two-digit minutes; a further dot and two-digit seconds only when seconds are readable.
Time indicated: 1.35
